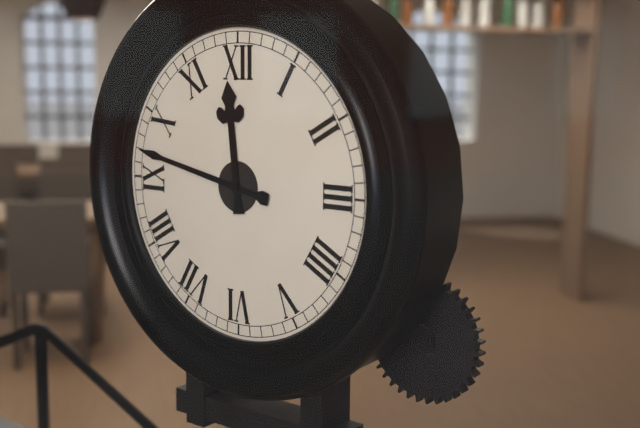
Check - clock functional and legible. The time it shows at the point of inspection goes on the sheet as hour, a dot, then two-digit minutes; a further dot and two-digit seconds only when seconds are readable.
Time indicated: 11.47
